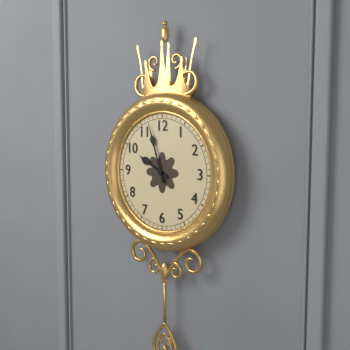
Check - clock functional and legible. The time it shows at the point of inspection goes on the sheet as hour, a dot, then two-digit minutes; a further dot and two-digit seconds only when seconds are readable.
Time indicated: 9.57
